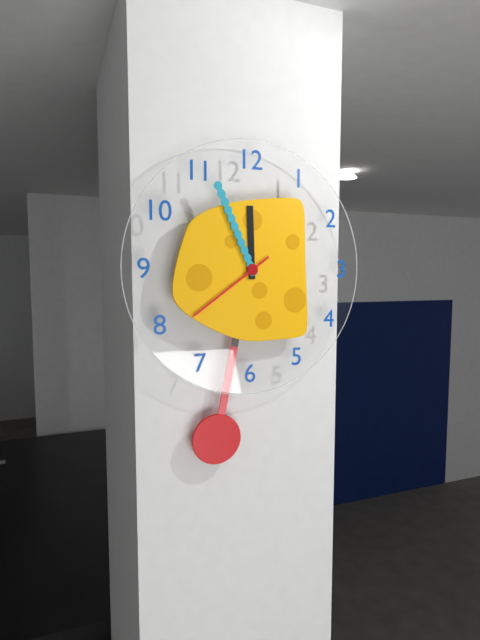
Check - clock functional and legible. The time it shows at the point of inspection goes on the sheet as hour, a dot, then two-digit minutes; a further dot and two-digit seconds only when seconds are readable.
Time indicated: 11.56.39
